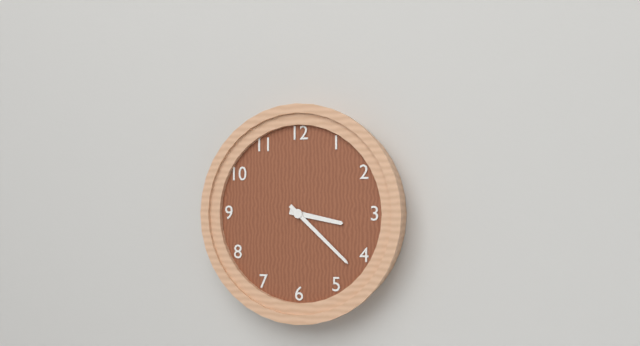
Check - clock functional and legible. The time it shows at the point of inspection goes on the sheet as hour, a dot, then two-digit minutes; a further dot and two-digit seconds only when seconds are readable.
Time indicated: 3.22
